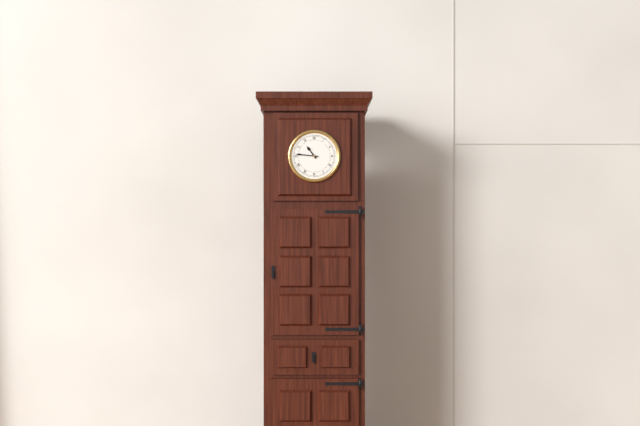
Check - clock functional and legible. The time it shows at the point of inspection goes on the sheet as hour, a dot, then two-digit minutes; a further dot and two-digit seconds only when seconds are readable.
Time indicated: 10.46
